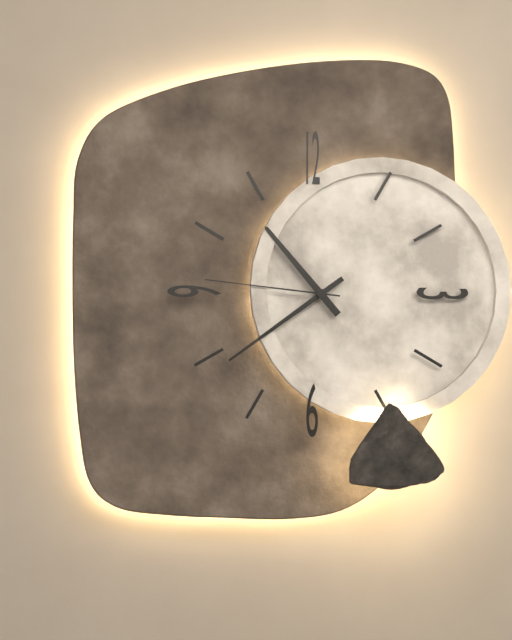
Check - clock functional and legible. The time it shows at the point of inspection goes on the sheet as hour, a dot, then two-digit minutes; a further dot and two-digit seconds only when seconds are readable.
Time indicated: 10.39.46
